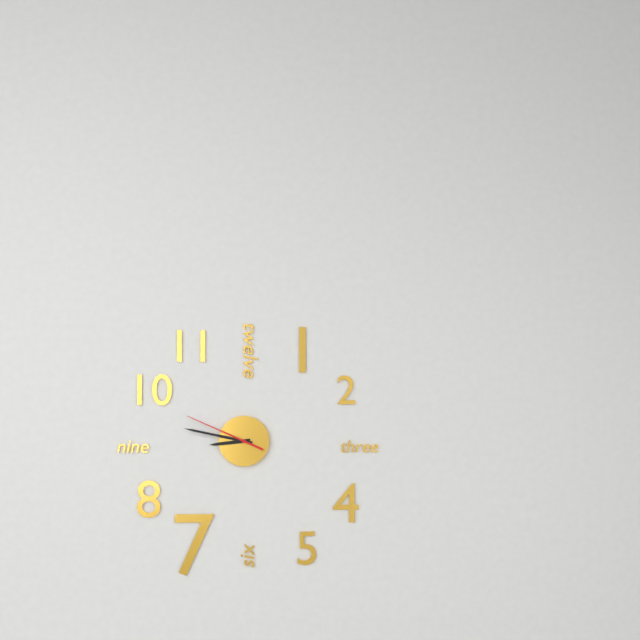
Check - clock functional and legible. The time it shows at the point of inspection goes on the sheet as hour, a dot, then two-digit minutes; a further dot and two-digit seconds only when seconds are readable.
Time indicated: 8.47.49
